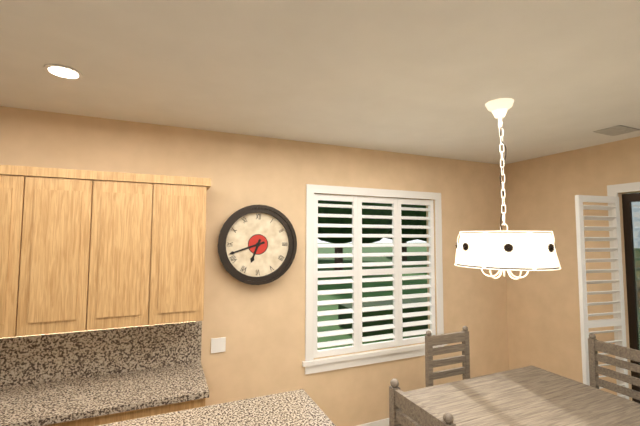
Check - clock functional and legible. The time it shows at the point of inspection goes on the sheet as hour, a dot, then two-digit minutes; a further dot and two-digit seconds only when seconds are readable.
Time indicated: 6.42
